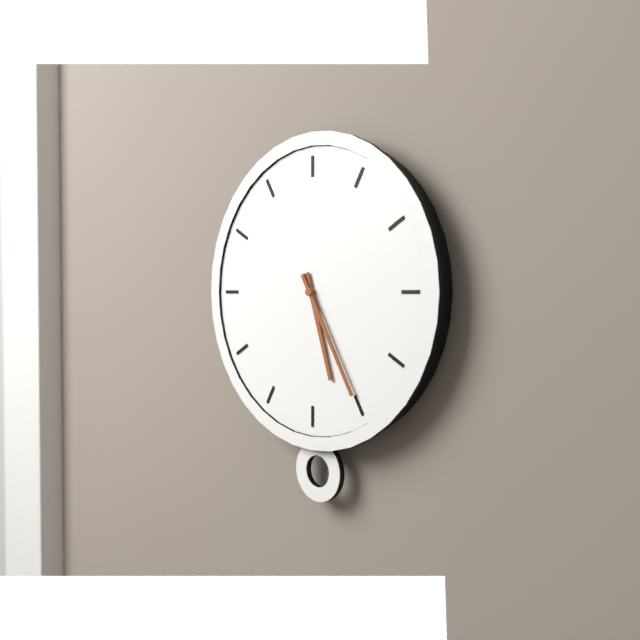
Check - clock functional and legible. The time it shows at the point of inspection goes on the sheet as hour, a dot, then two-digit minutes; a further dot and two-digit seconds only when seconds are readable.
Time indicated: 5.25
